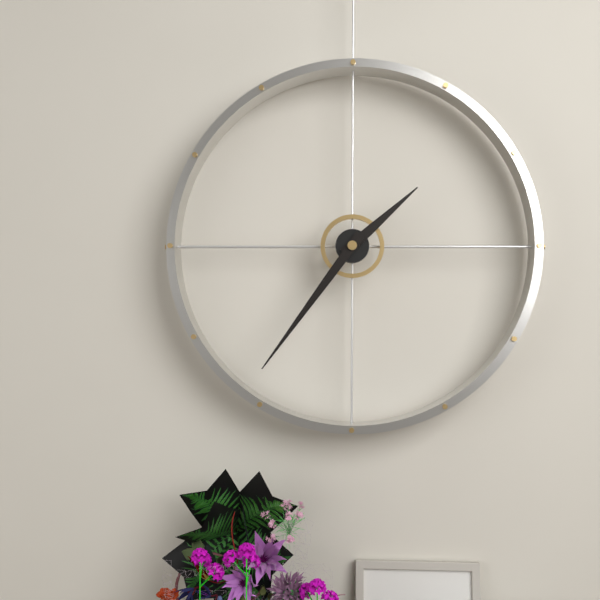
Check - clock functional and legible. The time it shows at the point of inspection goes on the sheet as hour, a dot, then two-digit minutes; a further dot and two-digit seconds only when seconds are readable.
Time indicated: 1.36
